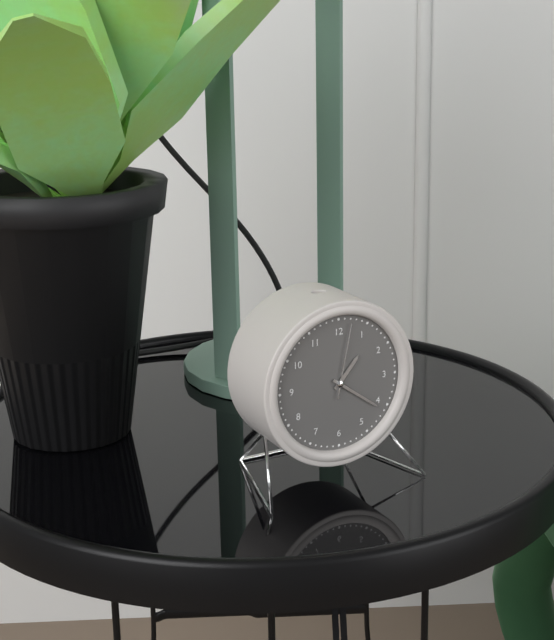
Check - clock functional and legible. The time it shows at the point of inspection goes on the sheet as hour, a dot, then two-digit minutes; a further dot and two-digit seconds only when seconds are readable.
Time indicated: 1.21.02
